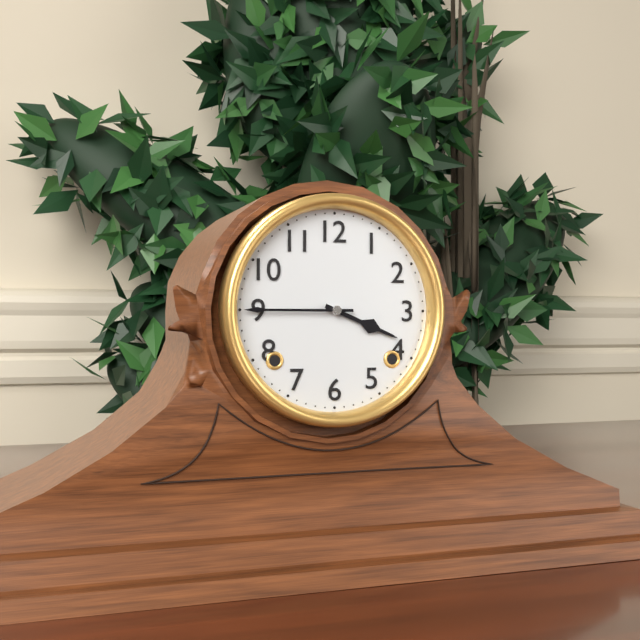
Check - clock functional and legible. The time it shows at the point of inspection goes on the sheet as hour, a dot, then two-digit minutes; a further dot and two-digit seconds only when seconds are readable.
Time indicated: 3.45
